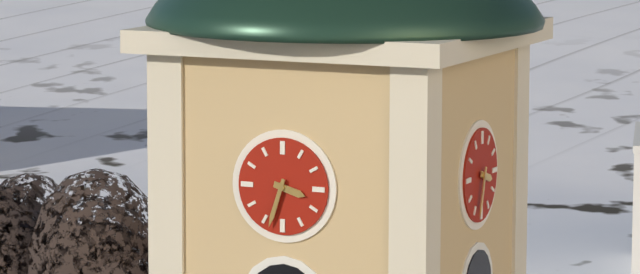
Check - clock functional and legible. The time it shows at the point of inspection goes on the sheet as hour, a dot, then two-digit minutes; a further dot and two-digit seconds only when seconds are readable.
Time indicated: 3.33
